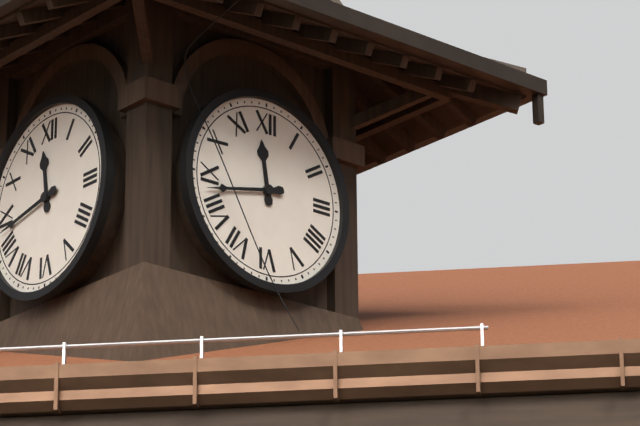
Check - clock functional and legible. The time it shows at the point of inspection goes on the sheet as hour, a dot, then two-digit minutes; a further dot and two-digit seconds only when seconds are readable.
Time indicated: 11.43
